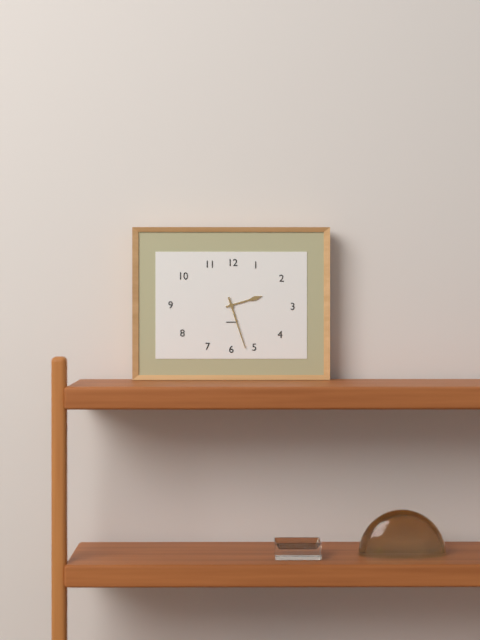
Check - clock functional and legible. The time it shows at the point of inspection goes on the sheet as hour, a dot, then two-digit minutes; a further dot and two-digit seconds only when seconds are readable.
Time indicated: 2.27
